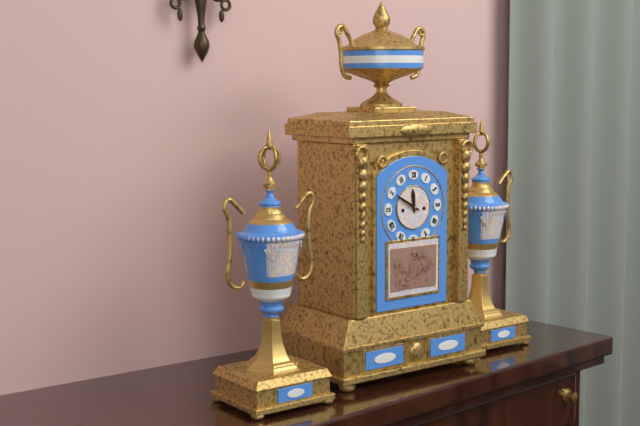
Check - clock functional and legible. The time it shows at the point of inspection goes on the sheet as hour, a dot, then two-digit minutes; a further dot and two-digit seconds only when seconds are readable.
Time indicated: 11.50
